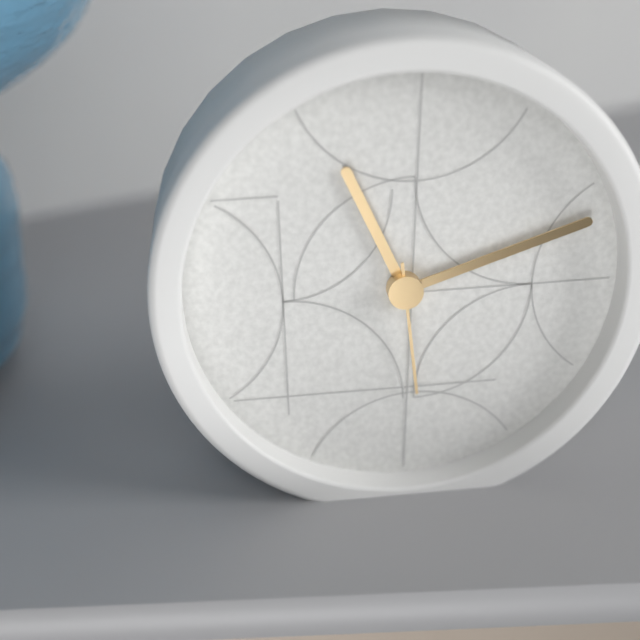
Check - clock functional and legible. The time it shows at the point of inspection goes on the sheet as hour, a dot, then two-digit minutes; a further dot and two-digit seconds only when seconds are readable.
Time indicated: 11.12.29
